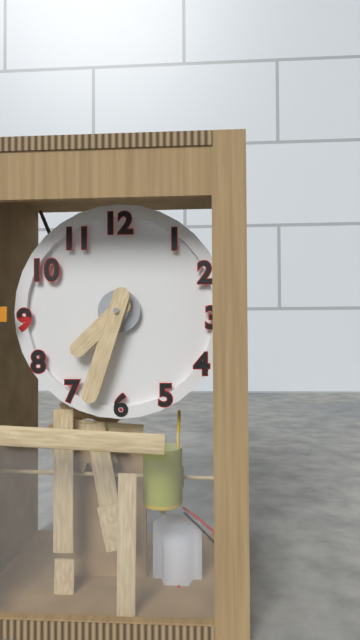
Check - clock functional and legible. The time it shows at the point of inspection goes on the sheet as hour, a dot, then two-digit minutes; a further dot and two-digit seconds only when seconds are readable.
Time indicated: 7.33
